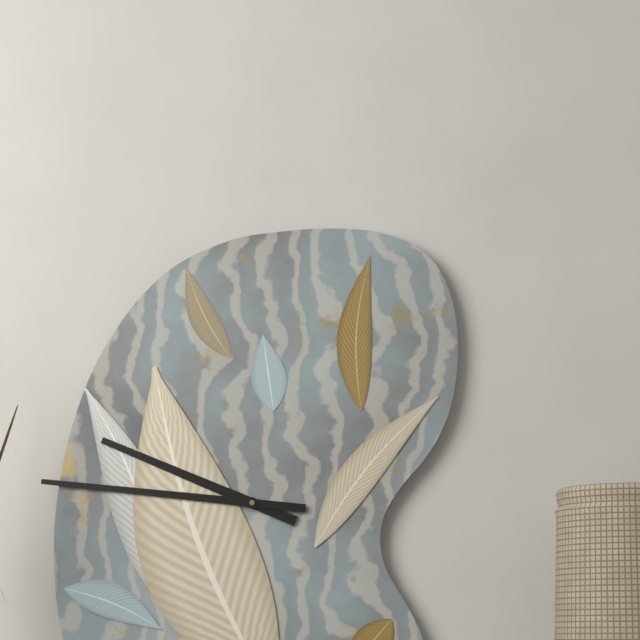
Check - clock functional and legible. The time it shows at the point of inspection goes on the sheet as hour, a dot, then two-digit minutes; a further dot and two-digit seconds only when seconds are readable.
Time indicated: 9.46
